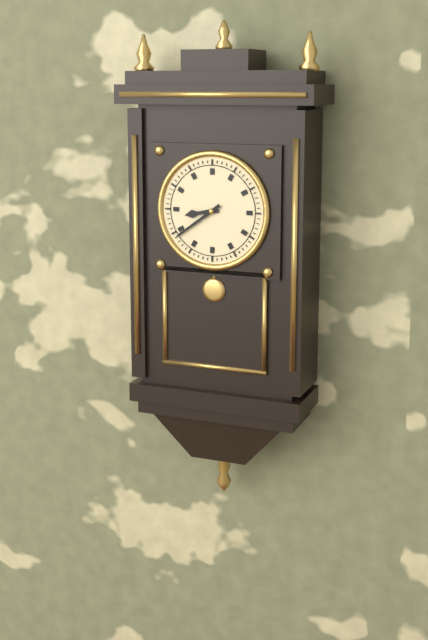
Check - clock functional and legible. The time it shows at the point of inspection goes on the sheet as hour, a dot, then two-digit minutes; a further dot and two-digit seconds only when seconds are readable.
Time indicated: 8.39
